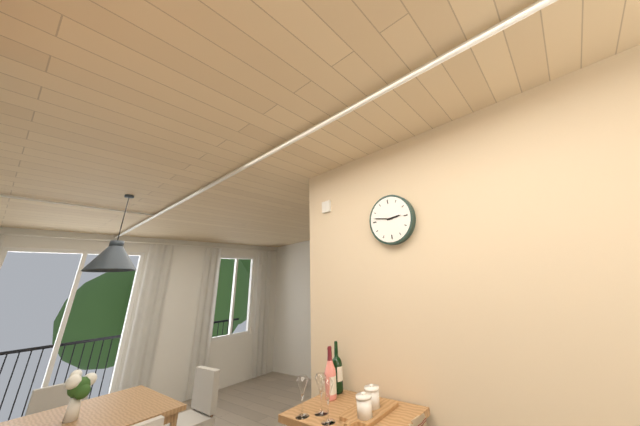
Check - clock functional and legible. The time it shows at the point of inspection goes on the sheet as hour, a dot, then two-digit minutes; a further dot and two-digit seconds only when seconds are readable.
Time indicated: 2.47
